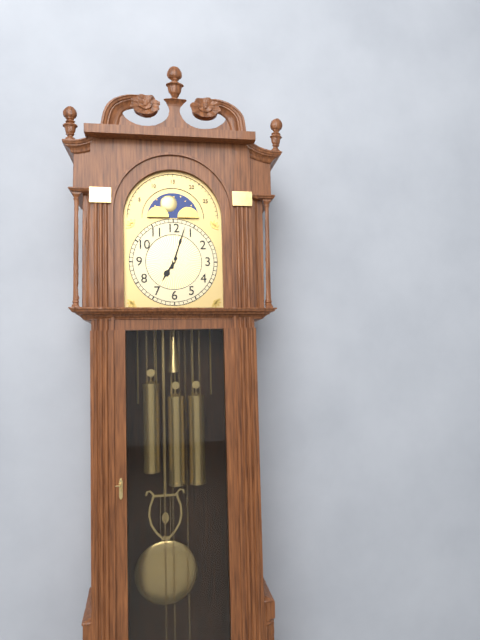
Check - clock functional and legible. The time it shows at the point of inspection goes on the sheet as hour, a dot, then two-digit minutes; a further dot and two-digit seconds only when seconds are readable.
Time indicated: 7.03
